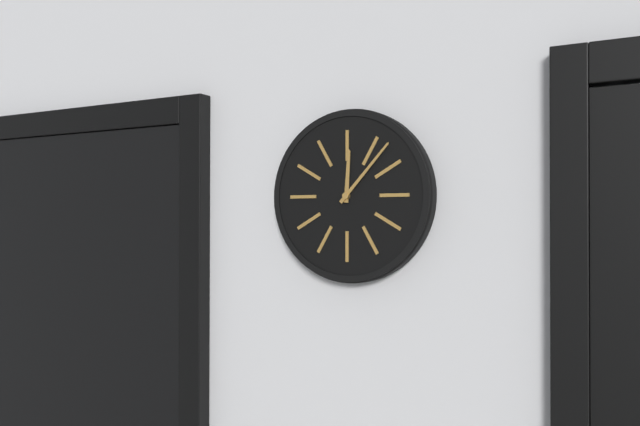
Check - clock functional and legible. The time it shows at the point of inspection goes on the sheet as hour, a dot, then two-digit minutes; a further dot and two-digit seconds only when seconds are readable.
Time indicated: 12.07
